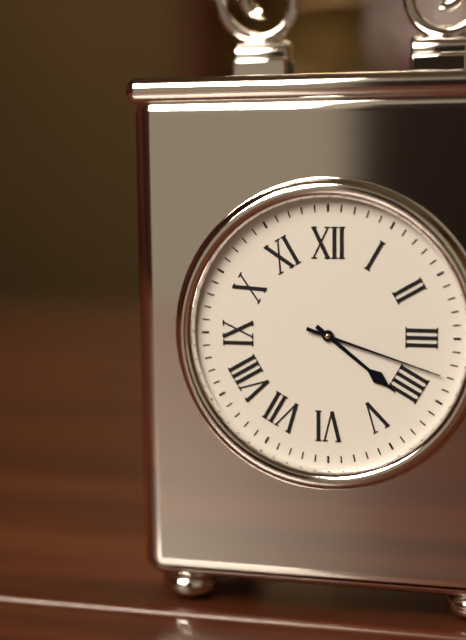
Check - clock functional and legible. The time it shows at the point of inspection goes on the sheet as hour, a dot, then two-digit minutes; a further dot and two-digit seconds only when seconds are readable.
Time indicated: 4.18
